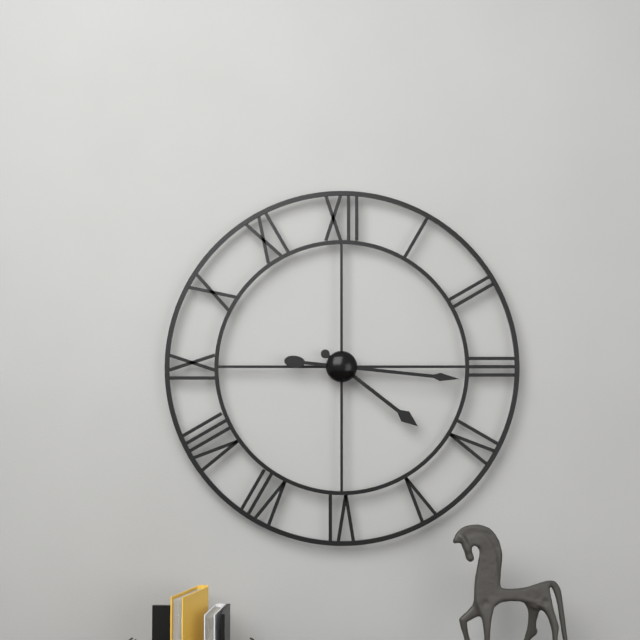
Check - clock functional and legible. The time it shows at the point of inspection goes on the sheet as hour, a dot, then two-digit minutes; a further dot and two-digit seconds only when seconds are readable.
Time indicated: 4.16
